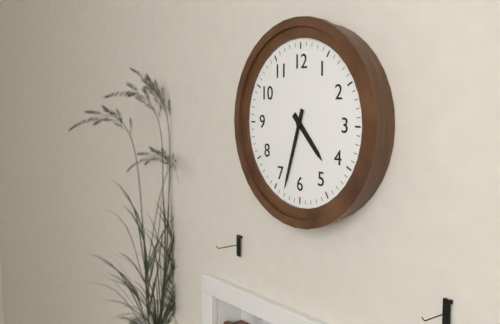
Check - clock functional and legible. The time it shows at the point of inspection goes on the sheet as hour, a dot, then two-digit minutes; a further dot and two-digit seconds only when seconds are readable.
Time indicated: 4.33
